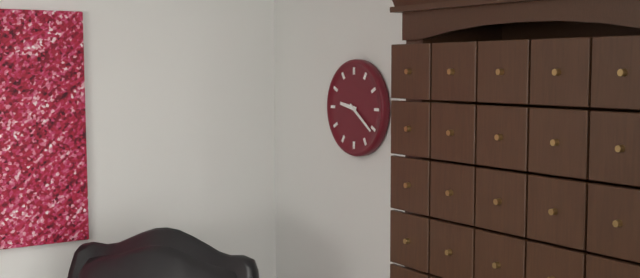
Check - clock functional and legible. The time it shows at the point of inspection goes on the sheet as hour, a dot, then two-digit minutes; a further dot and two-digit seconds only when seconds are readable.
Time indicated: 9.21
